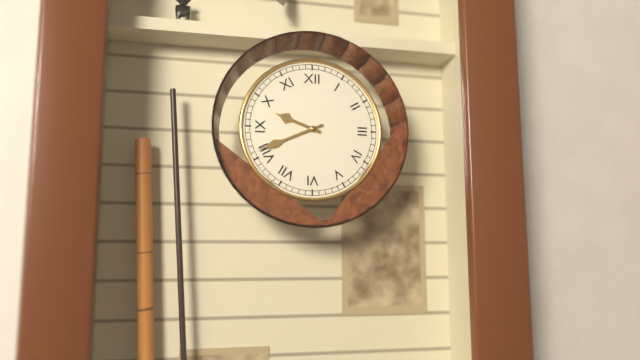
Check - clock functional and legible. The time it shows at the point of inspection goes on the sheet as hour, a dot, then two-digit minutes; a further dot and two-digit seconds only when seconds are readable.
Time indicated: 9.41
